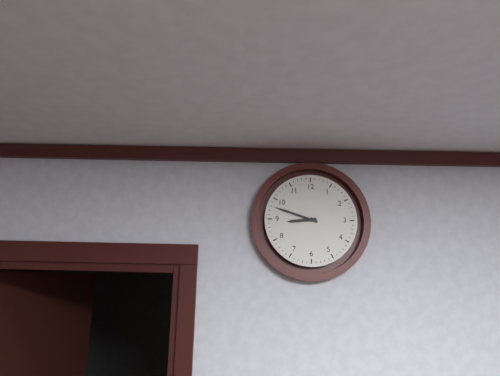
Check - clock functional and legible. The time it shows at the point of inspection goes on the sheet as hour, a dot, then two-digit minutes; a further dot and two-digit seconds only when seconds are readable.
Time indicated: 8.48
